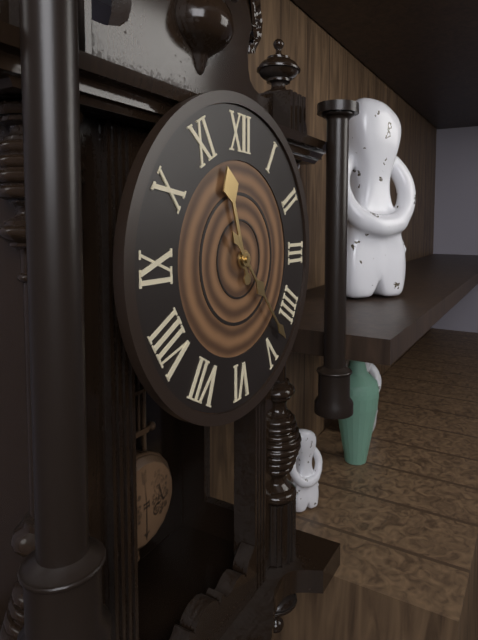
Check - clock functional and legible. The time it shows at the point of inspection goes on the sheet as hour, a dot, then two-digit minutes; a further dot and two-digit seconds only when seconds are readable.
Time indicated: 11.23
